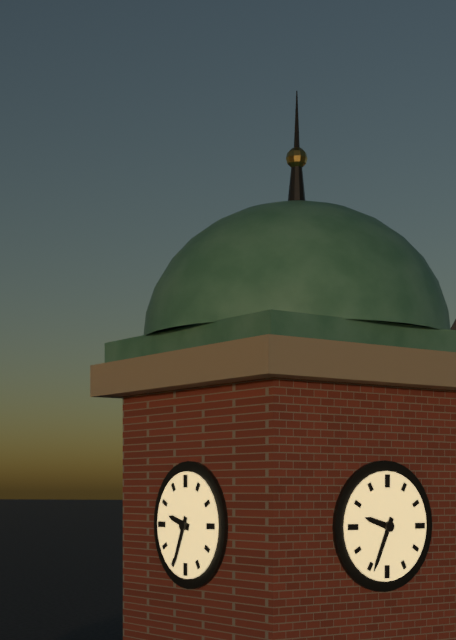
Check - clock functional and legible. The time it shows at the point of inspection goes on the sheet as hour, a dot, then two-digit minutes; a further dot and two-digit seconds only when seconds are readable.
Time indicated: 9.34
